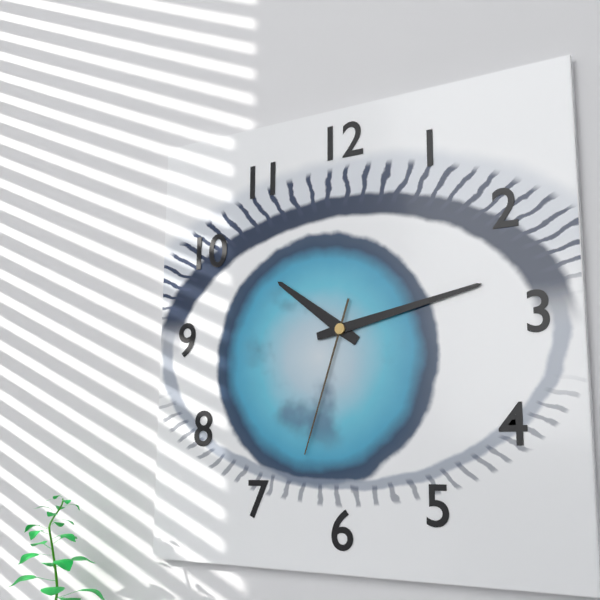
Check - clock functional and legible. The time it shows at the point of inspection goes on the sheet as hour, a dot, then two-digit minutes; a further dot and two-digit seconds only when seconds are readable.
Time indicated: 10.13.33
